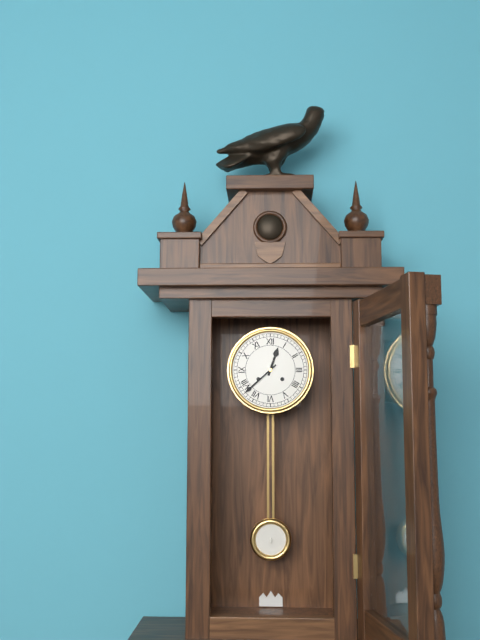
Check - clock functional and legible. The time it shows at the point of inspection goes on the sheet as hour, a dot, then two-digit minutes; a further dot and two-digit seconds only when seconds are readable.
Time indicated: 12.38
